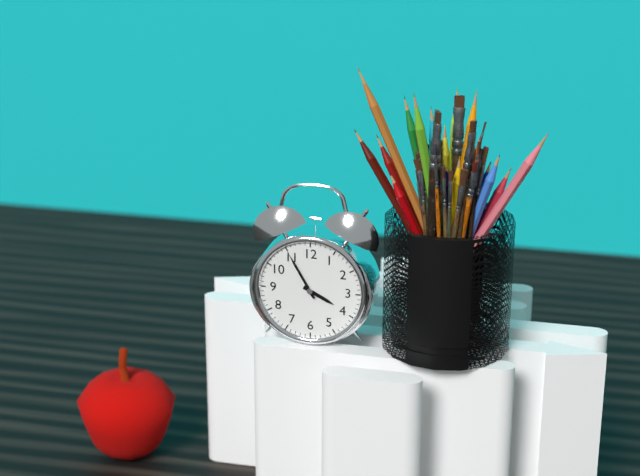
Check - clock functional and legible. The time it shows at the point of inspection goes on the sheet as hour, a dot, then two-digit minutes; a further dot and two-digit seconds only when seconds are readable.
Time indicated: 3.55
